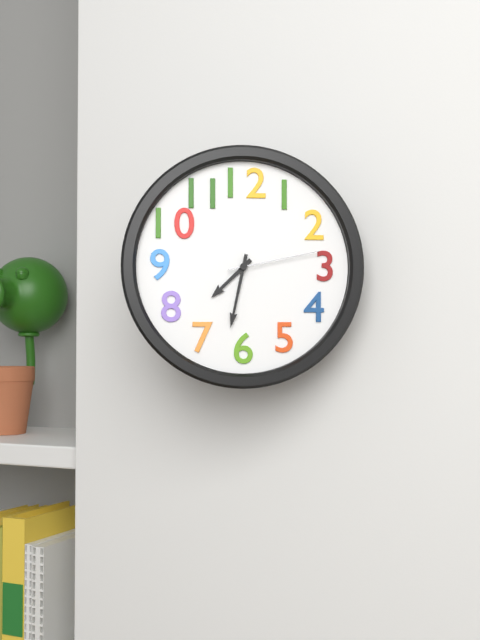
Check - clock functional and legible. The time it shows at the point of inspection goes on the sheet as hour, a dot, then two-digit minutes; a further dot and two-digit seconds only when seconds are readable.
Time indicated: 7.32.13
